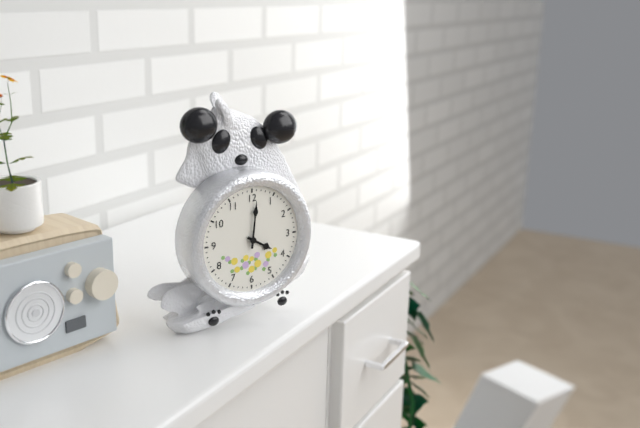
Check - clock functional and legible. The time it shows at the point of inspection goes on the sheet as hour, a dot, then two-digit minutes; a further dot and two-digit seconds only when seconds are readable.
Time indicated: 4.01
